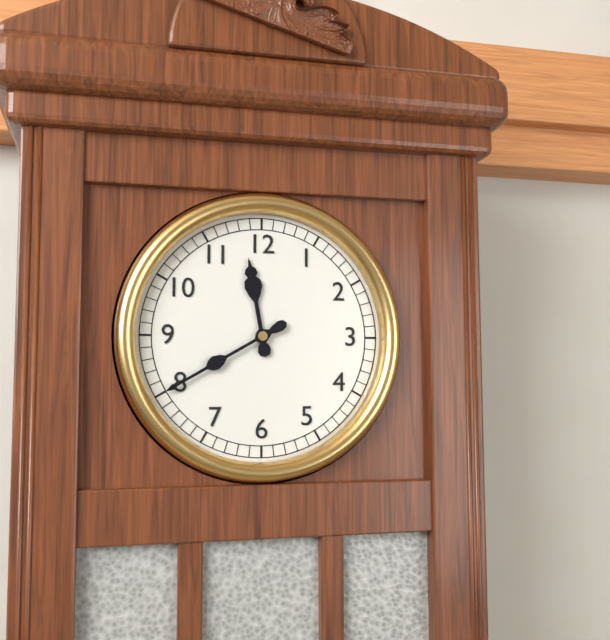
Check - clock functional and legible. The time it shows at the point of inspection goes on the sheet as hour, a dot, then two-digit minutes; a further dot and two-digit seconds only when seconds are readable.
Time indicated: 11.40
